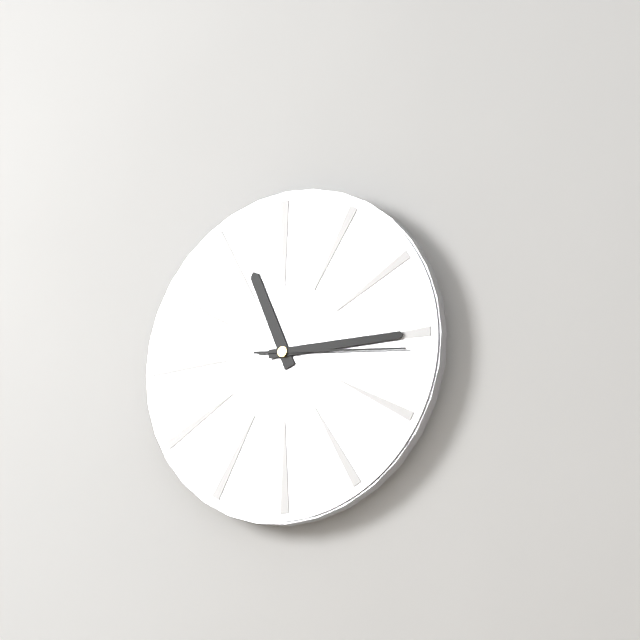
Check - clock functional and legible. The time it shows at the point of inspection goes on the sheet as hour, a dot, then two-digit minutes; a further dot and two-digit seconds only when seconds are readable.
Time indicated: 11.15.16
